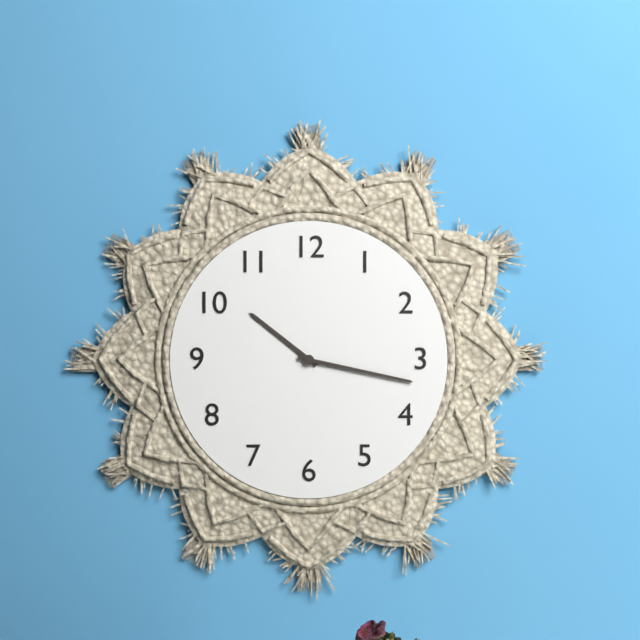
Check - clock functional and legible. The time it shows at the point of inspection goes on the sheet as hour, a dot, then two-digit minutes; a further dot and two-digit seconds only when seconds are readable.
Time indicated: 10.17
